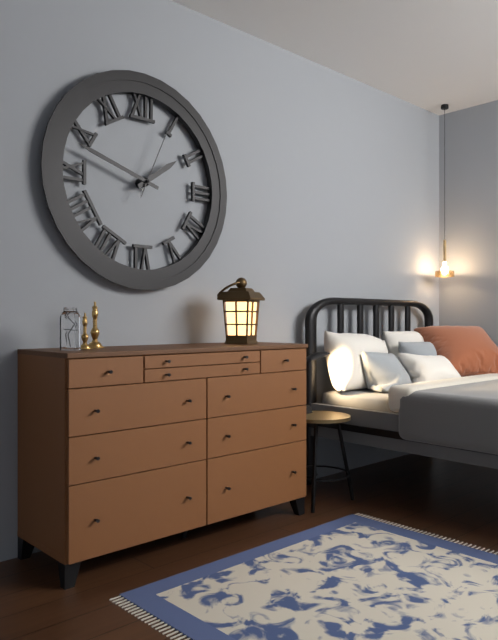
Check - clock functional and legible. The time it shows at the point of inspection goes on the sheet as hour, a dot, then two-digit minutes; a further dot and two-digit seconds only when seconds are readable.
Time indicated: 1.48.04
